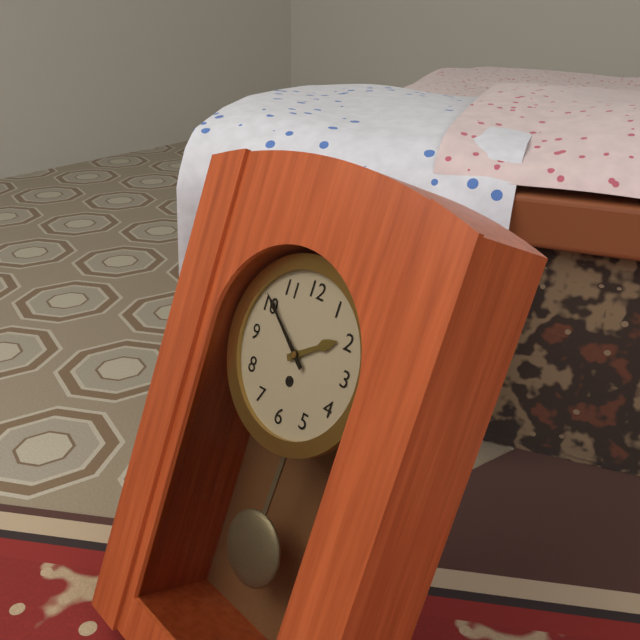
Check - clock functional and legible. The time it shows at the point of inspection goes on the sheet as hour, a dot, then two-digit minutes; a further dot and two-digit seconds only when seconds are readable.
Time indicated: 1.51
